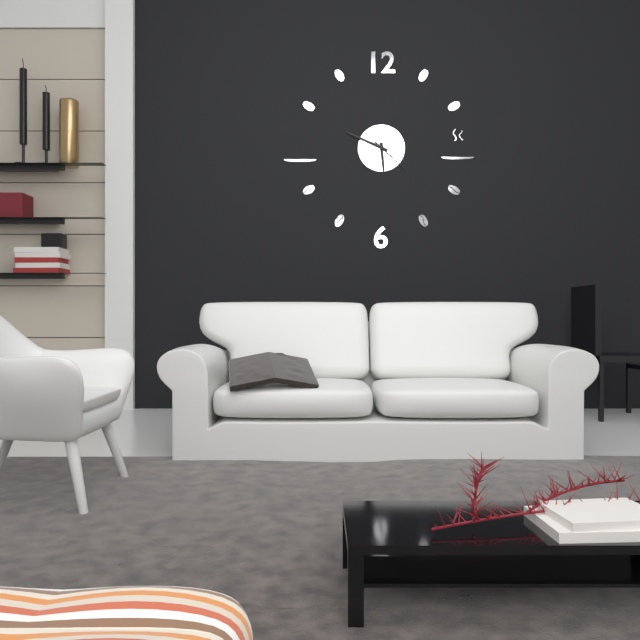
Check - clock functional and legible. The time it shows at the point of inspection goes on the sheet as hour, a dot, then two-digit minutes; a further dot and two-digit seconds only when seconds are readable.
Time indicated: 5.49
